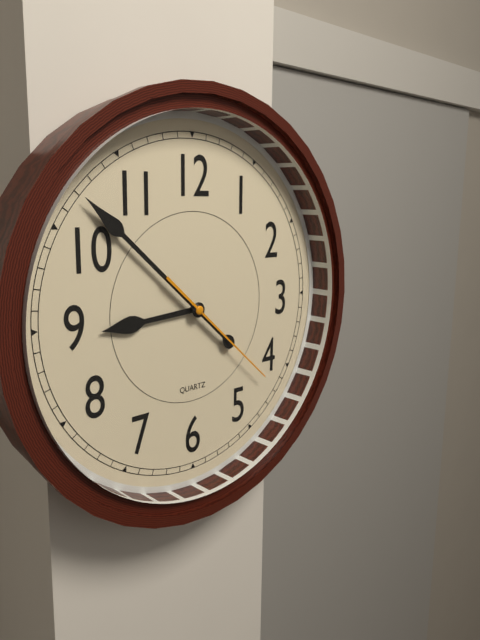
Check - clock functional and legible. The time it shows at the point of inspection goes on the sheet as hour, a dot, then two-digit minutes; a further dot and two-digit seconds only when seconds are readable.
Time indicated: 8.52.22
